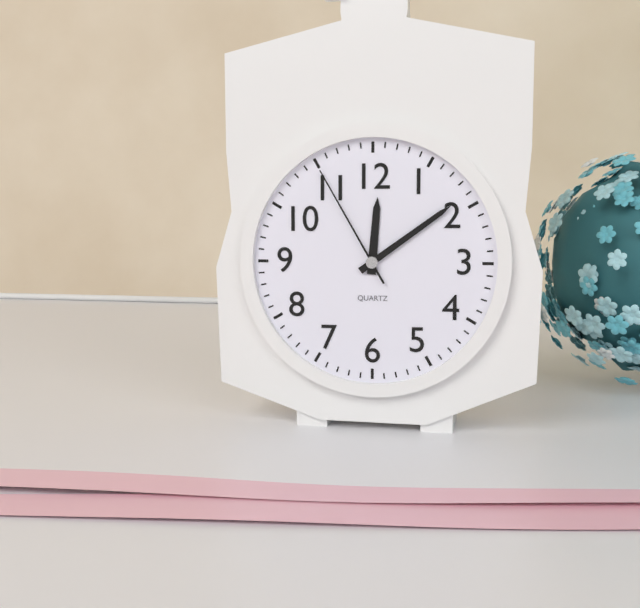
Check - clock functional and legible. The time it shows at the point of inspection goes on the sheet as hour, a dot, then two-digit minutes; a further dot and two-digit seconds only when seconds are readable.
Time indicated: 12.09.55
